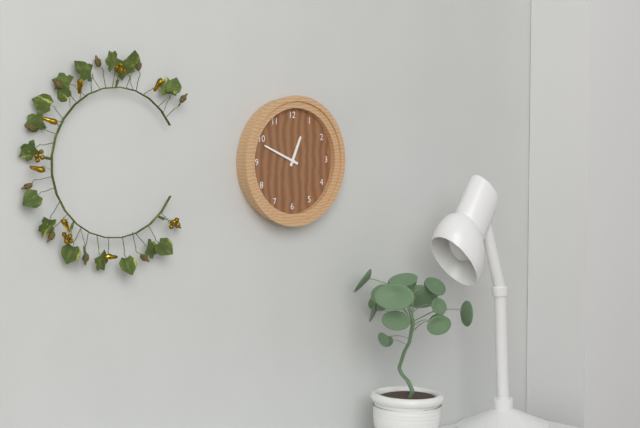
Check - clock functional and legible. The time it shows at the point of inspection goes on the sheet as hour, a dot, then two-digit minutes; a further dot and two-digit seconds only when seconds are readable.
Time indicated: 12.49
